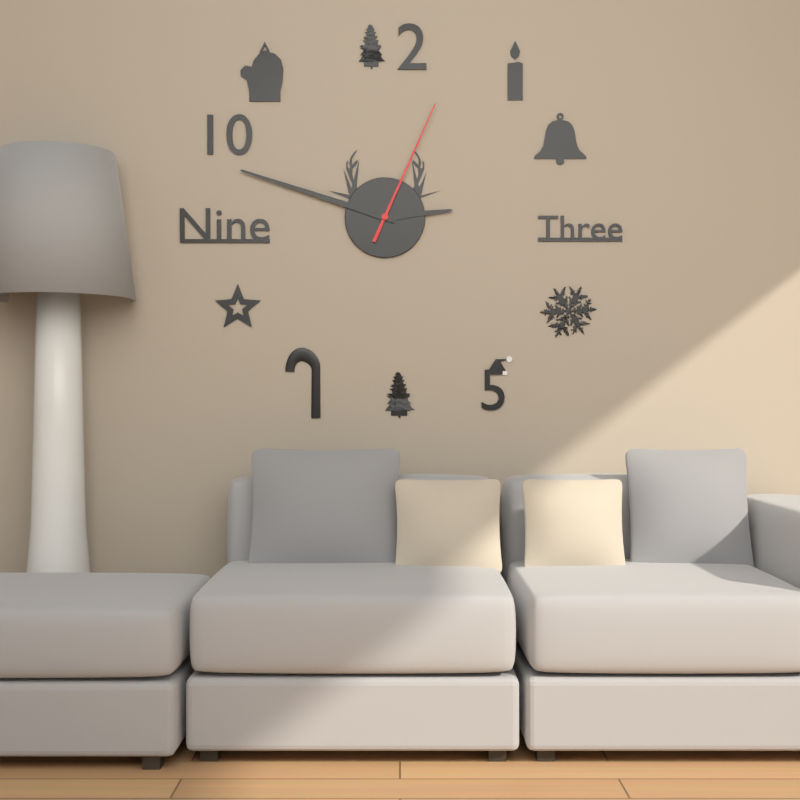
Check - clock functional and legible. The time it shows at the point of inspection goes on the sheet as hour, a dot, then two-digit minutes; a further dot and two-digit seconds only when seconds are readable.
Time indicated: 2.48.04
